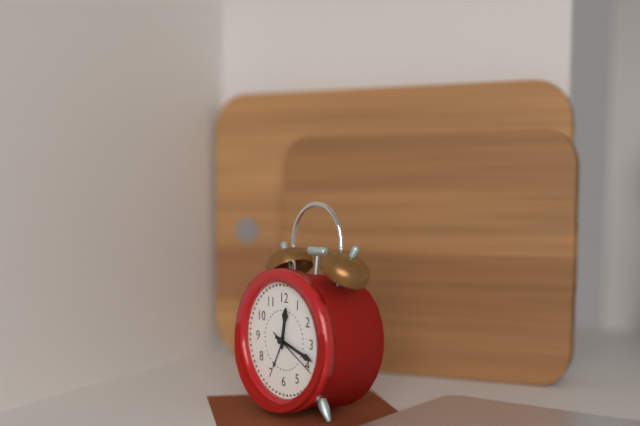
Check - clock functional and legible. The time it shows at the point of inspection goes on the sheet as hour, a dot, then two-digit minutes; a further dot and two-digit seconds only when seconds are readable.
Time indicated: 12.18.20
